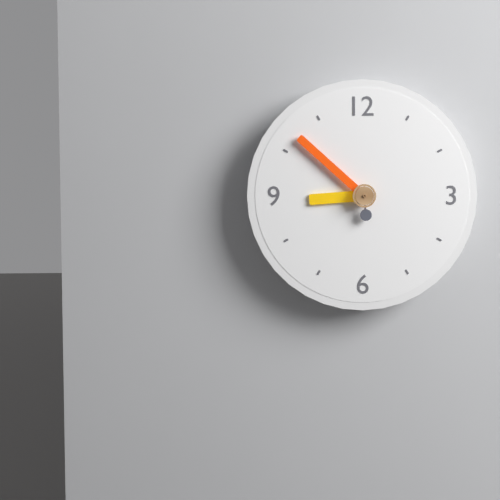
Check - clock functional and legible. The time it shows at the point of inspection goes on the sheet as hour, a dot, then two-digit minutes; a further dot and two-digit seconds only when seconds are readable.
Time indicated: 8.52
